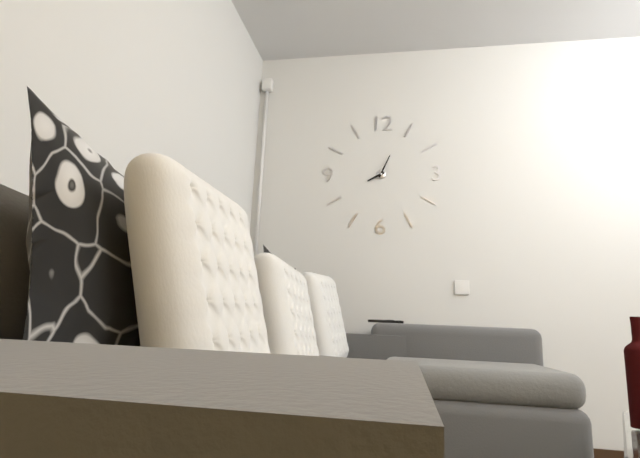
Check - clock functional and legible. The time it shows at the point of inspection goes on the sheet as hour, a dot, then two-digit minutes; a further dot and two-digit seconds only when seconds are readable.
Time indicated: 8.04
